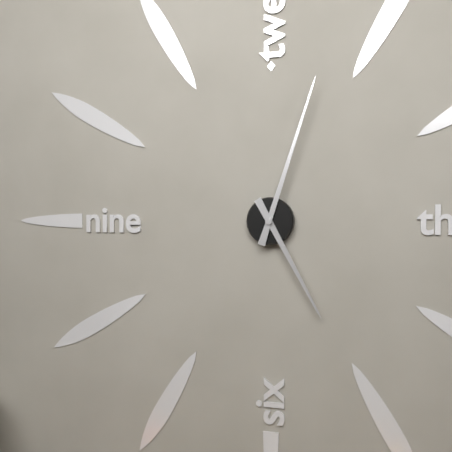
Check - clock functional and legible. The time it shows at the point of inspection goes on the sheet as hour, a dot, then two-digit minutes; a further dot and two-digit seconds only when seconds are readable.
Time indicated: 5.03
